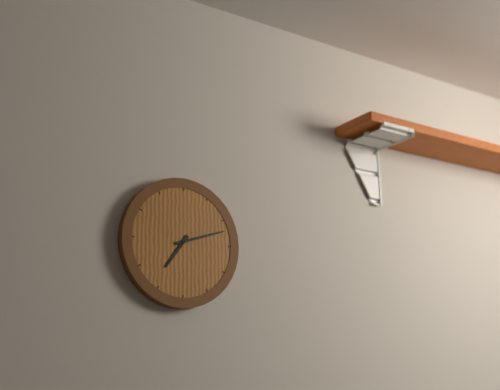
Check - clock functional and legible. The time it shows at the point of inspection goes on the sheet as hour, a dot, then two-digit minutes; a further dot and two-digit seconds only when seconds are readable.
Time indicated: 7.12
